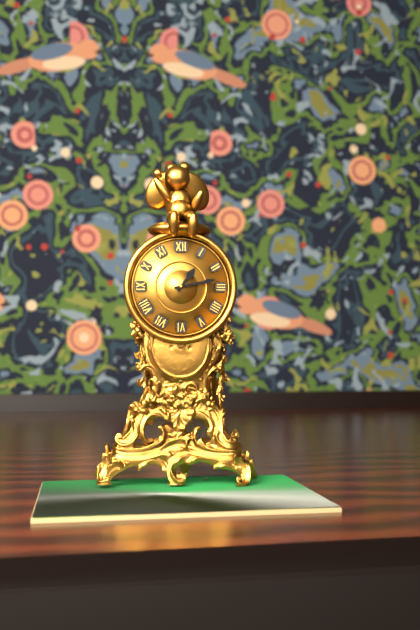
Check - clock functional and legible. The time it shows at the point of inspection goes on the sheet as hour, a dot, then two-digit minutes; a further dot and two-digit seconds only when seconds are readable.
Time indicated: 1.13
